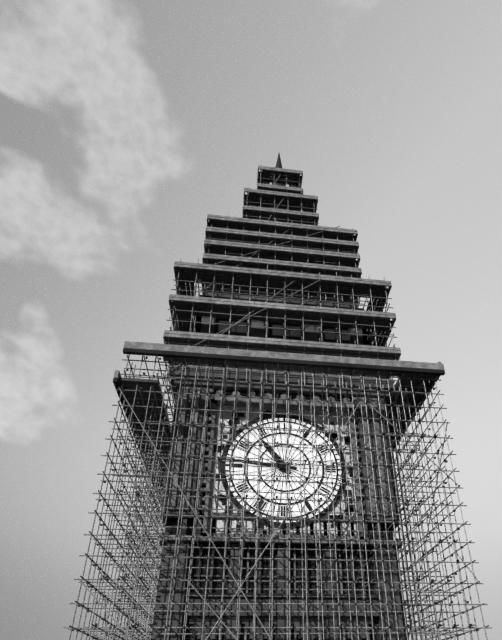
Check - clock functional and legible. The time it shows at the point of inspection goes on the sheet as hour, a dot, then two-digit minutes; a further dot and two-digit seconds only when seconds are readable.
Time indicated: 10.46
